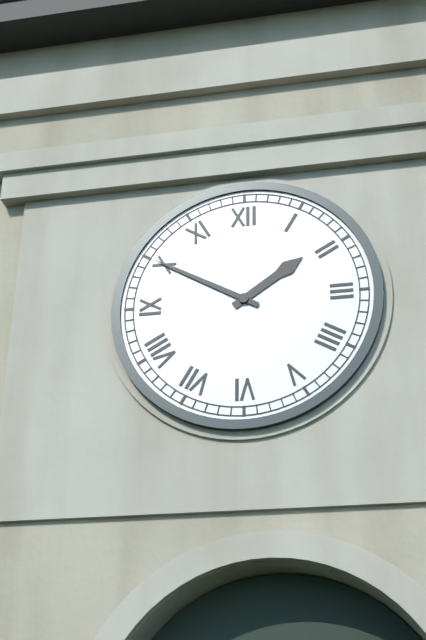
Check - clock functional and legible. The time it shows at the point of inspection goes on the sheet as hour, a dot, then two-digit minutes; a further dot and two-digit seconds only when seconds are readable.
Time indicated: 1.50
